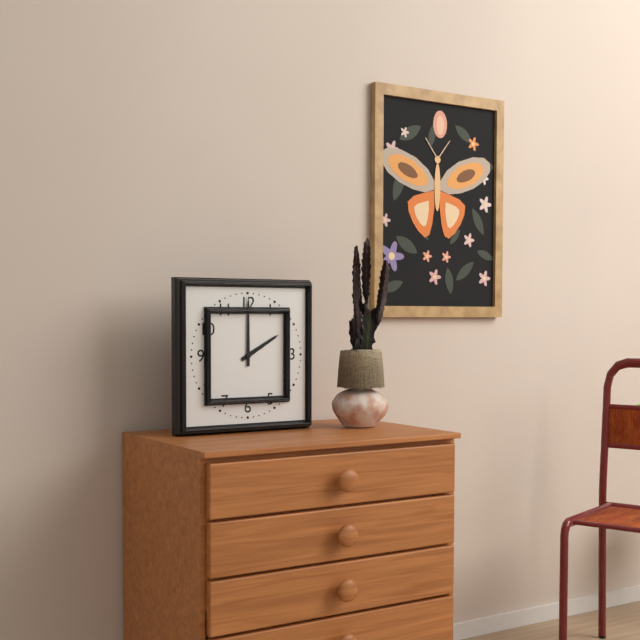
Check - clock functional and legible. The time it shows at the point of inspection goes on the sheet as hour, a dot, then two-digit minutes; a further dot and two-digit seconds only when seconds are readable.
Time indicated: 2.00
